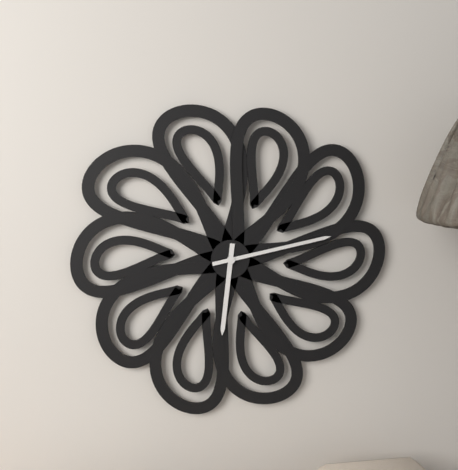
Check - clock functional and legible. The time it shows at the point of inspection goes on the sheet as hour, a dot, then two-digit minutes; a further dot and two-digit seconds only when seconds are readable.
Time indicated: 6.13
